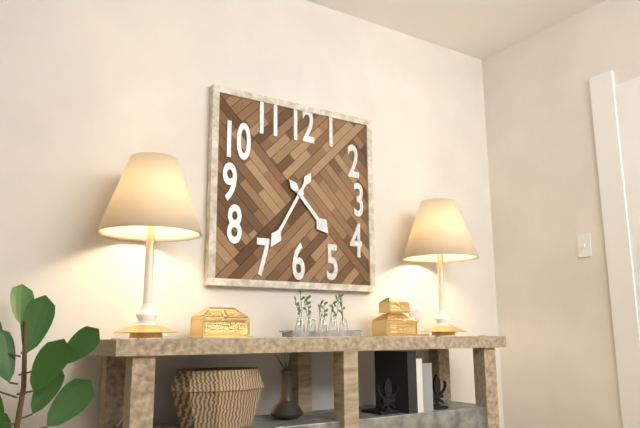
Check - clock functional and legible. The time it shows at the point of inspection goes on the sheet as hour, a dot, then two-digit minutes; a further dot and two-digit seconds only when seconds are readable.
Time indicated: 4.35
